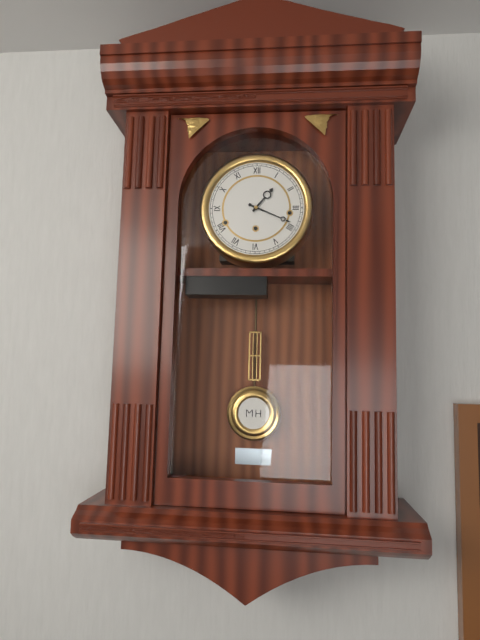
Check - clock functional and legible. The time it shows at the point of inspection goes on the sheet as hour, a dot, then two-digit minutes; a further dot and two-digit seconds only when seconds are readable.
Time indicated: 1.19
